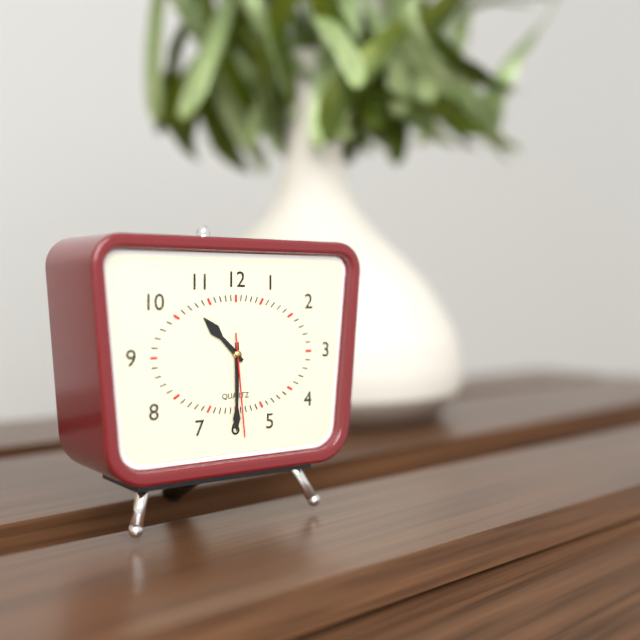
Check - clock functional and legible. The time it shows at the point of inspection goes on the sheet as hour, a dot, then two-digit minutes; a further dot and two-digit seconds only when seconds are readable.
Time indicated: 10.30.29
